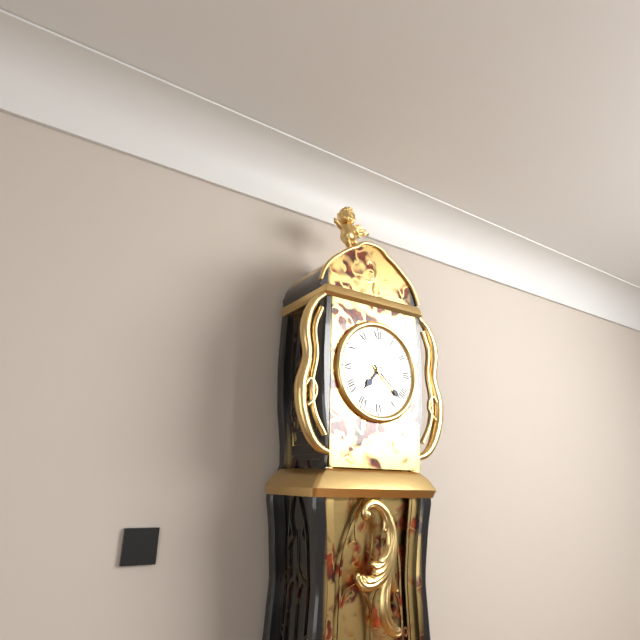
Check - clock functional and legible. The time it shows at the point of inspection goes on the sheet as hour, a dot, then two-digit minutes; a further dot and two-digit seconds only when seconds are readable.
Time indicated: 7.22
